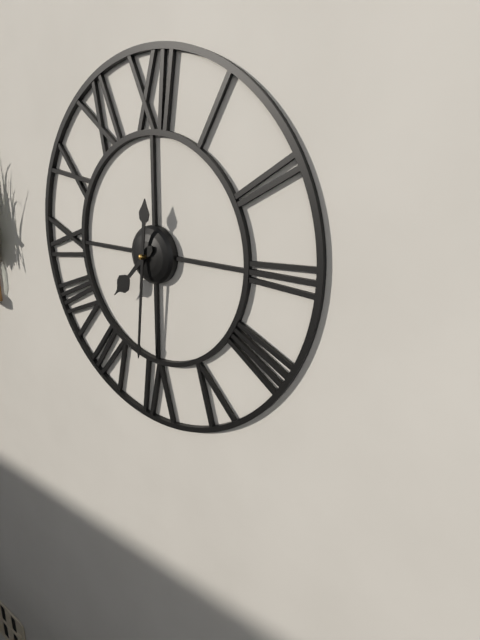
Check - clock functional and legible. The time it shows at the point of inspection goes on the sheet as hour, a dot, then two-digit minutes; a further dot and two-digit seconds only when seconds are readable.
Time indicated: 7.31
